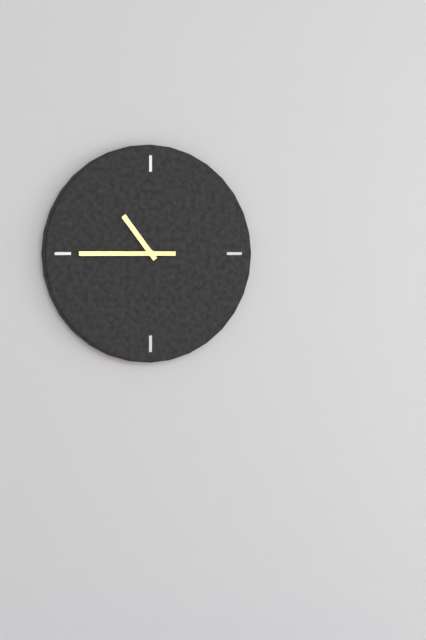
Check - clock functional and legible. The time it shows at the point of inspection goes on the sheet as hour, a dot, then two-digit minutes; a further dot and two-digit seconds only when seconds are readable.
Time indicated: 10.45
